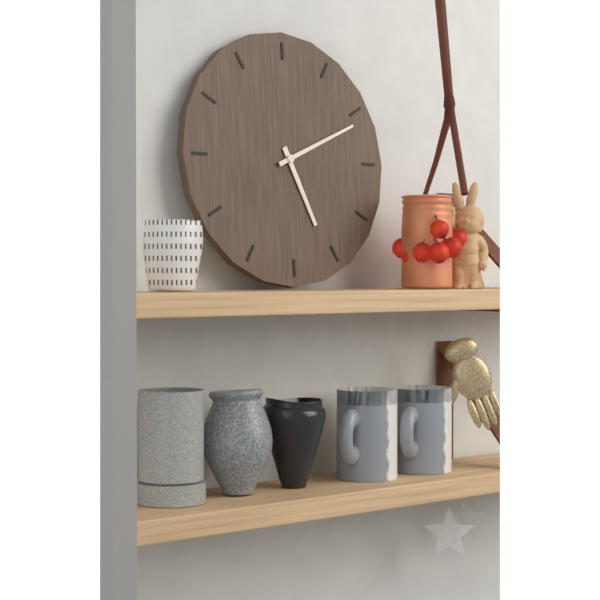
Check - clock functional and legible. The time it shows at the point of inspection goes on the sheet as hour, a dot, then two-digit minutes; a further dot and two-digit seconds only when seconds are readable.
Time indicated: 5.11
